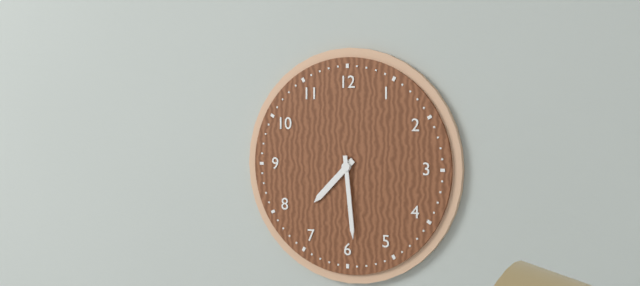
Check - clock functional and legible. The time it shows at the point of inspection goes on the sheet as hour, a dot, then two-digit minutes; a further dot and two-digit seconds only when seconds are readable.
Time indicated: 7.29
